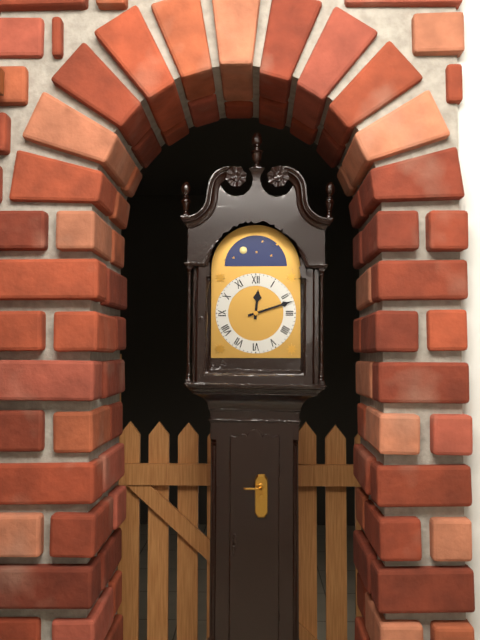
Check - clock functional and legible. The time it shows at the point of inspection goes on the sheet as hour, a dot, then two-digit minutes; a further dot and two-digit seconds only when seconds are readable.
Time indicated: 12.12
